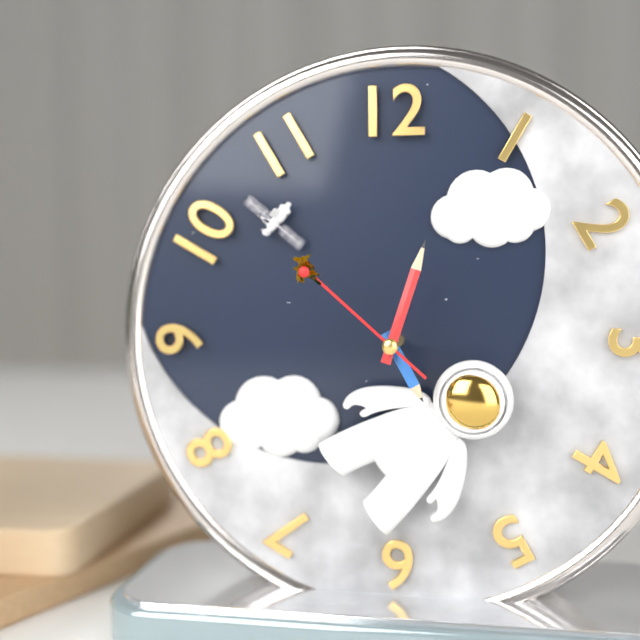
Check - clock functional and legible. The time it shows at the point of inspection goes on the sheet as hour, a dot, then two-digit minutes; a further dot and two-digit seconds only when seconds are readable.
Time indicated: 5.03.52
